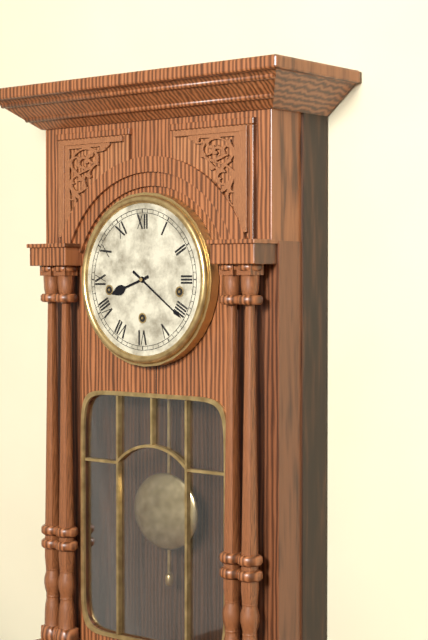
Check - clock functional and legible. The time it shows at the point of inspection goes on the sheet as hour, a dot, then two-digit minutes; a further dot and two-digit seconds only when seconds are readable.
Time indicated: 8.21
